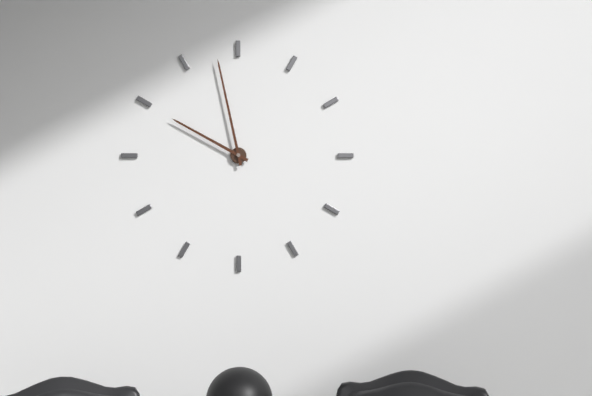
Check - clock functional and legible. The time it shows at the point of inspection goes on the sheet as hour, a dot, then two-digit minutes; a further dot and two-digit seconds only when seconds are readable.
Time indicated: 9.58
